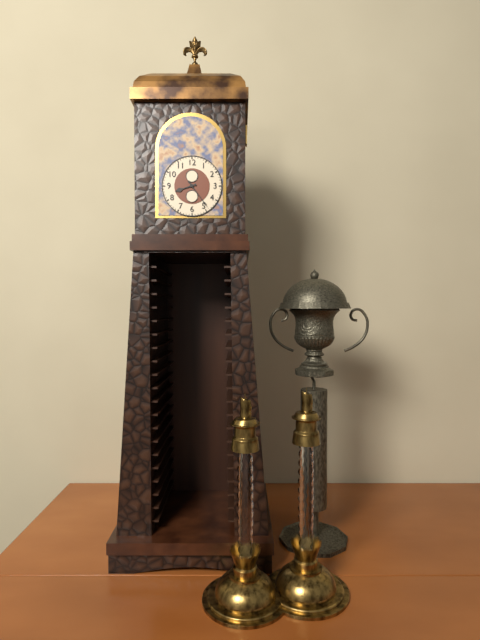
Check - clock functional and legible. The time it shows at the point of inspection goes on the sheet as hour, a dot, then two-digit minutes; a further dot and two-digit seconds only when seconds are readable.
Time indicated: 8.24
